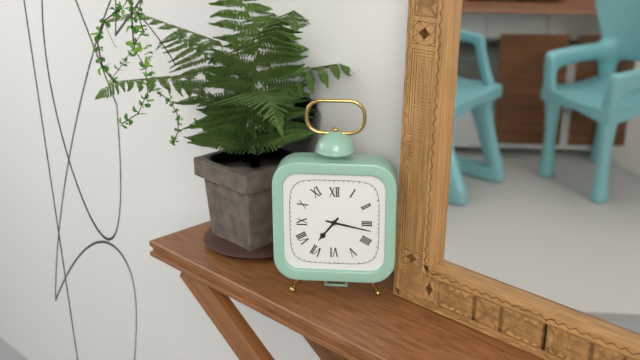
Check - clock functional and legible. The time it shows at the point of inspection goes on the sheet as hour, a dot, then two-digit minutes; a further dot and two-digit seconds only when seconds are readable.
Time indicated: 7.17
